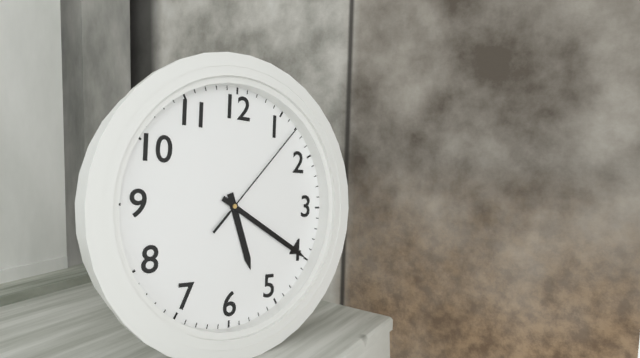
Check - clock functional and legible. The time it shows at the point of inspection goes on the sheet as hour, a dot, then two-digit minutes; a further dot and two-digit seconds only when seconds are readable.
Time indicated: 5.20.07
